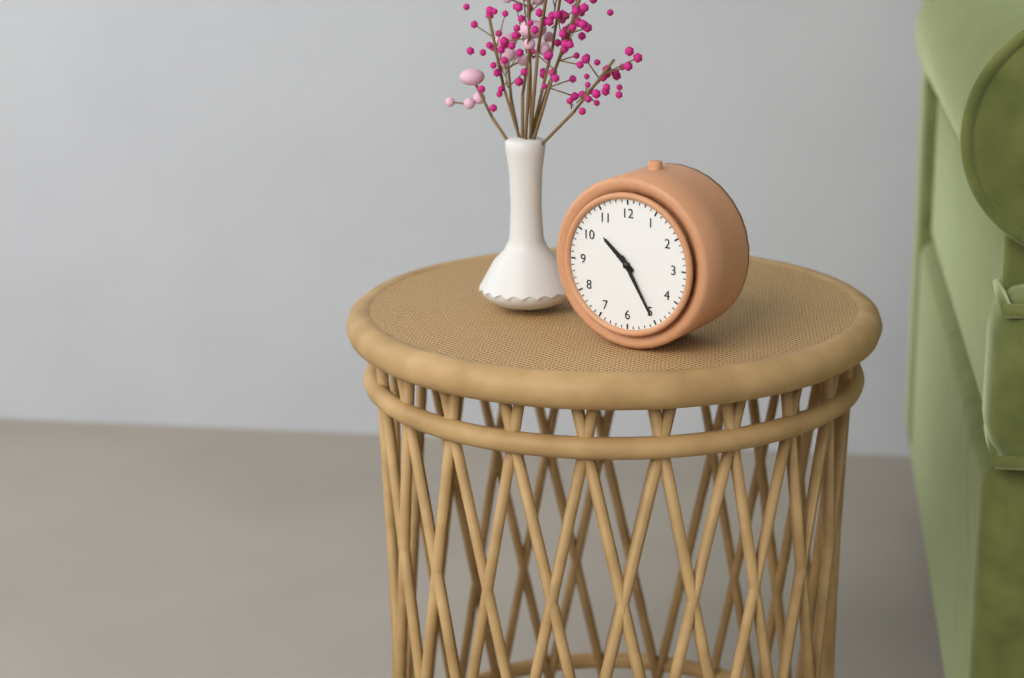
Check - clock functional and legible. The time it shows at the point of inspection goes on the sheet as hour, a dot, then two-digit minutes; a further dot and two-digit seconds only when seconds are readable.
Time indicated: 10.25
